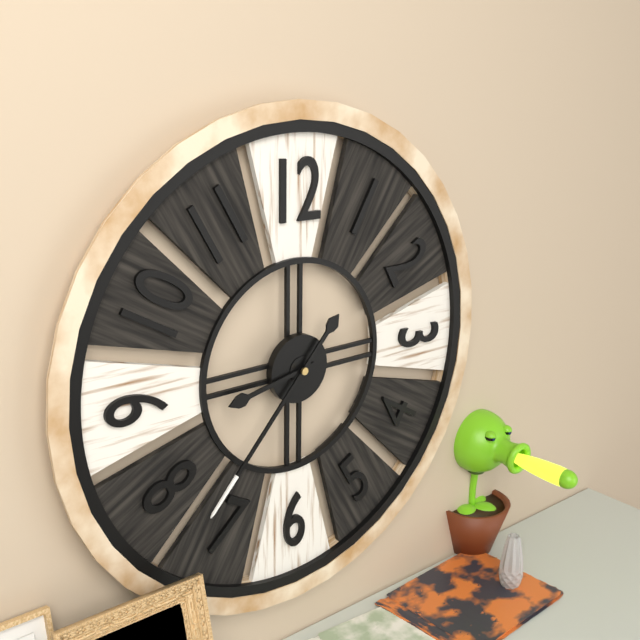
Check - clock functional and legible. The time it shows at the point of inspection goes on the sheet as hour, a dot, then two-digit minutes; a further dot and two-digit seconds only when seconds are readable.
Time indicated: 8.37
